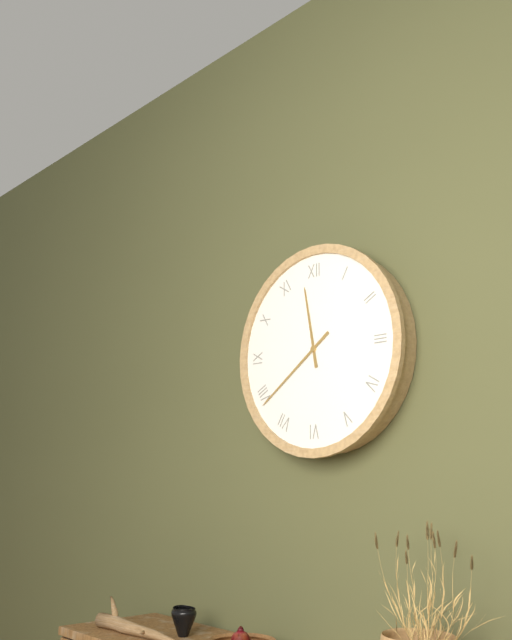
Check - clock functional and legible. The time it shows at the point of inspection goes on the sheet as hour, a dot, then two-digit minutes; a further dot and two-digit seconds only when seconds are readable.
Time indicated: 11.39
